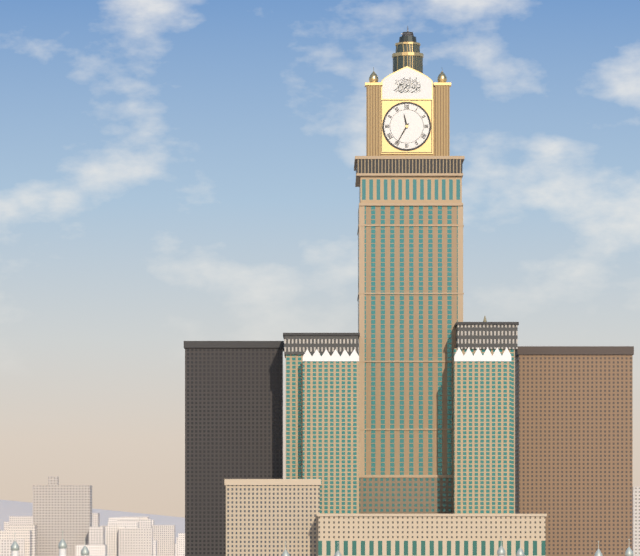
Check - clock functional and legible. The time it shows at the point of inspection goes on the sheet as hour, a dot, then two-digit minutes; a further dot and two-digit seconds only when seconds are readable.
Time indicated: 11.35
